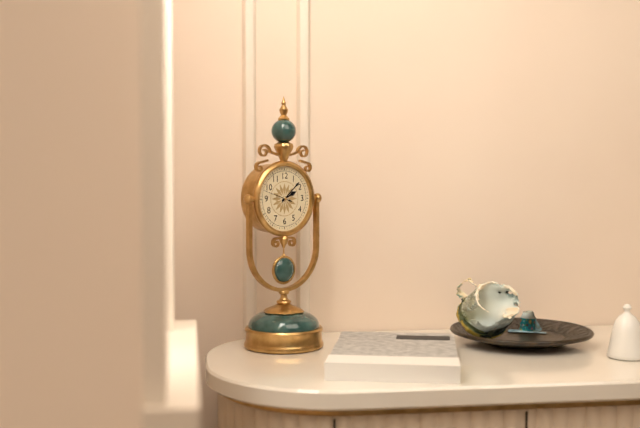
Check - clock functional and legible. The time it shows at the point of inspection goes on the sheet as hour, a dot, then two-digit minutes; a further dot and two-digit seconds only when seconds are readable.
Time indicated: 2.08
